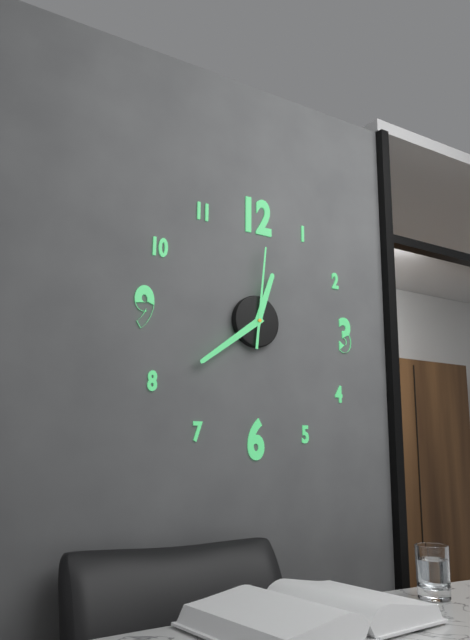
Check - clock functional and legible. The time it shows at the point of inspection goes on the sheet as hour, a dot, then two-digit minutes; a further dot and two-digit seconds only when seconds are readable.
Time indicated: 12.39.01
